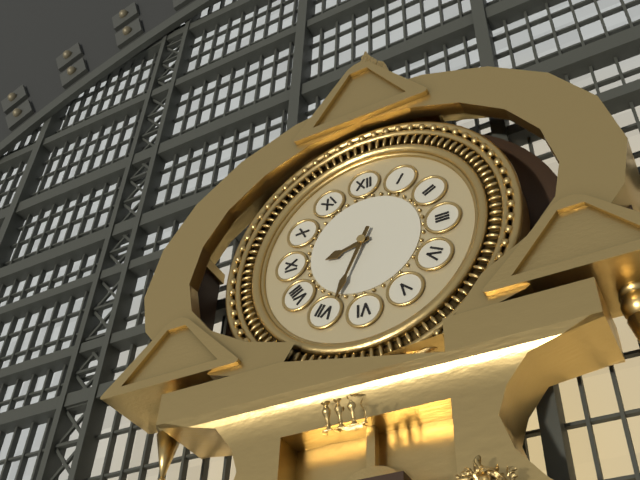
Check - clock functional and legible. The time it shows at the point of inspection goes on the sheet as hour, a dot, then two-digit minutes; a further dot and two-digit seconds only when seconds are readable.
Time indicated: 8.34
